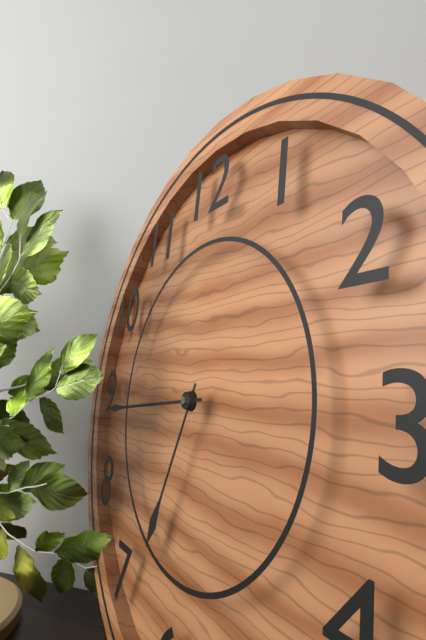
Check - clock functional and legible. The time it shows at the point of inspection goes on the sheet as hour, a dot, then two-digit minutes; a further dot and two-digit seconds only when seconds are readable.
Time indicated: 6.44
